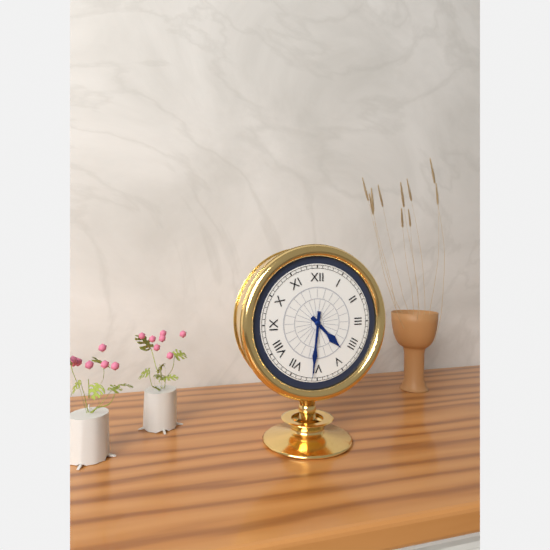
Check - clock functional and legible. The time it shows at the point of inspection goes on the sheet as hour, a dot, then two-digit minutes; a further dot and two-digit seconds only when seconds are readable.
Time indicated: 4.31
